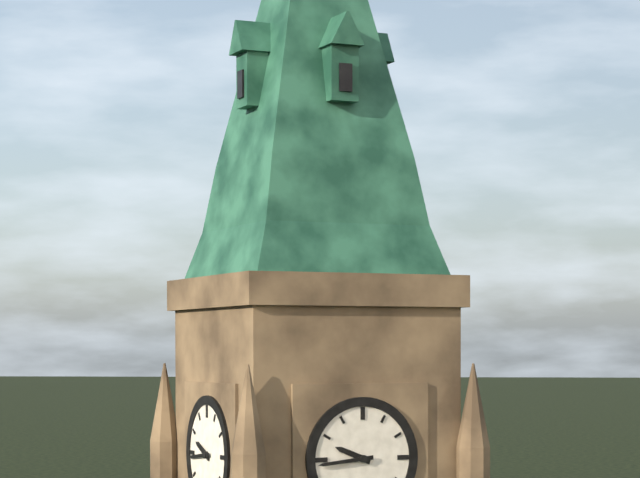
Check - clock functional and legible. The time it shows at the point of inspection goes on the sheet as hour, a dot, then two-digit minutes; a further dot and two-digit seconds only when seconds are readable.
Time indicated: 9.44
